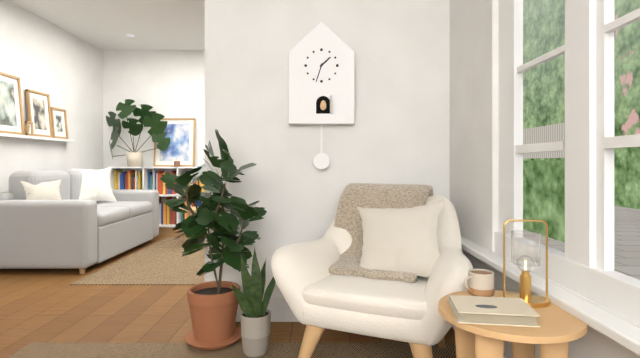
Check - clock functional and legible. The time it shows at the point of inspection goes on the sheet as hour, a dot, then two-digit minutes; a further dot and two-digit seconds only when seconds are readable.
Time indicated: 1.33
